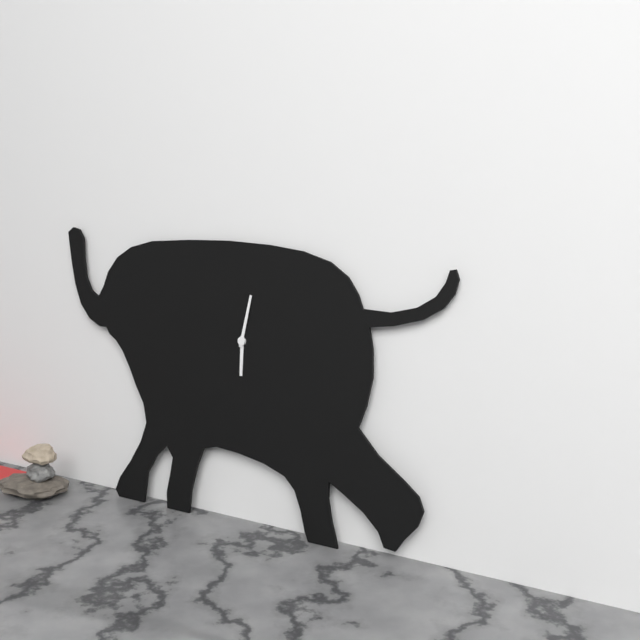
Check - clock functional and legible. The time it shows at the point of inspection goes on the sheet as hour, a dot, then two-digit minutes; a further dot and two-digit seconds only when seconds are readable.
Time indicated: 6.02
